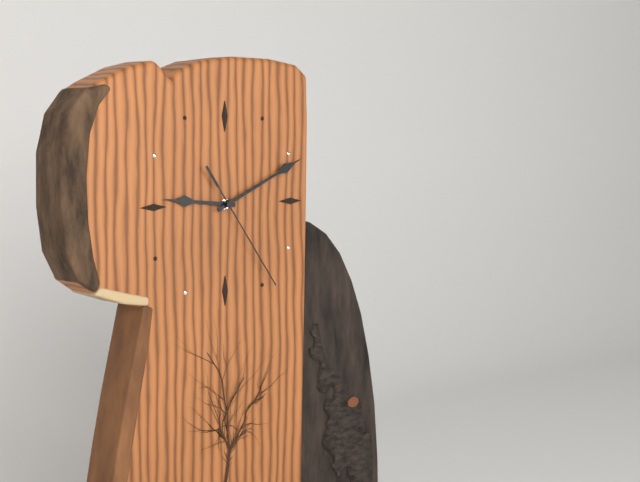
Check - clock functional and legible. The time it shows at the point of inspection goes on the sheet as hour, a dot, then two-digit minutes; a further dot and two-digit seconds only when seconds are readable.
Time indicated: 9.11.24
